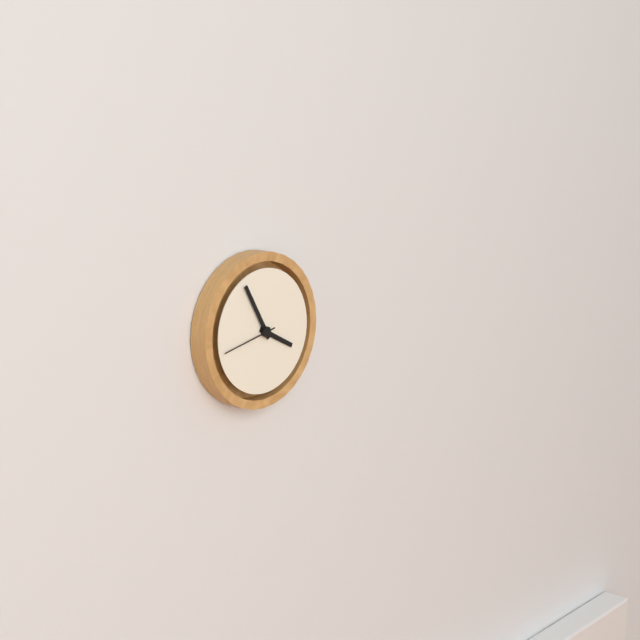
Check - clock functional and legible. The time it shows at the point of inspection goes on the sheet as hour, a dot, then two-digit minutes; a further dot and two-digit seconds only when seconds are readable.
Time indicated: 3.55.43
